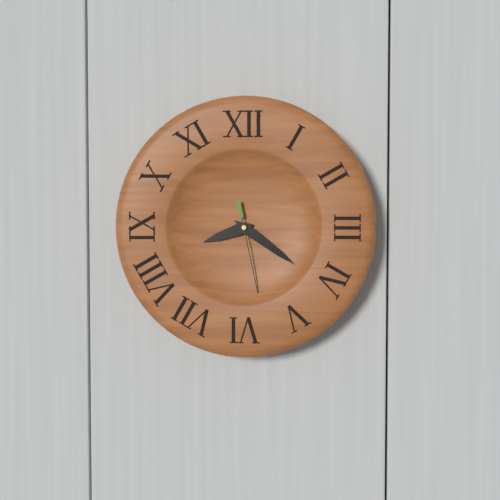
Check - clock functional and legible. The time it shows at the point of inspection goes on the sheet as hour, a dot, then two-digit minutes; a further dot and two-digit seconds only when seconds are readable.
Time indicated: 8.21.28
